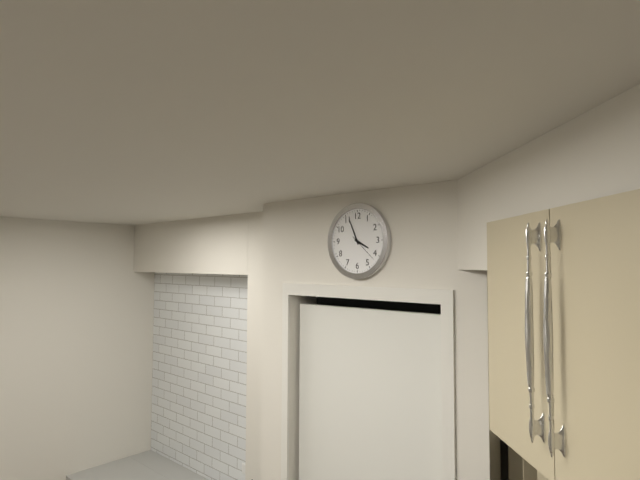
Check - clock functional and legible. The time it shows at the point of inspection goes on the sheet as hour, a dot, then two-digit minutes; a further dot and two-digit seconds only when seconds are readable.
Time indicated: 3.56
